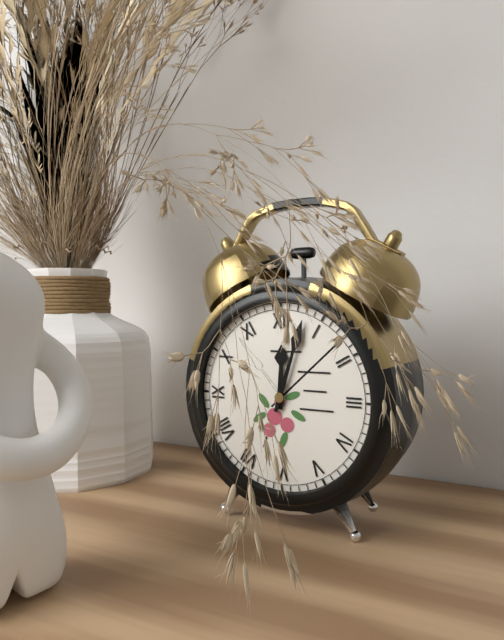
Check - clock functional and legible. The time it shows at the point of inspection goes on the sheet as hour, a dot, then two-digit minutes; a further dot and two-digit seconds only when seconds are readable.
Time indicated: 12.03
